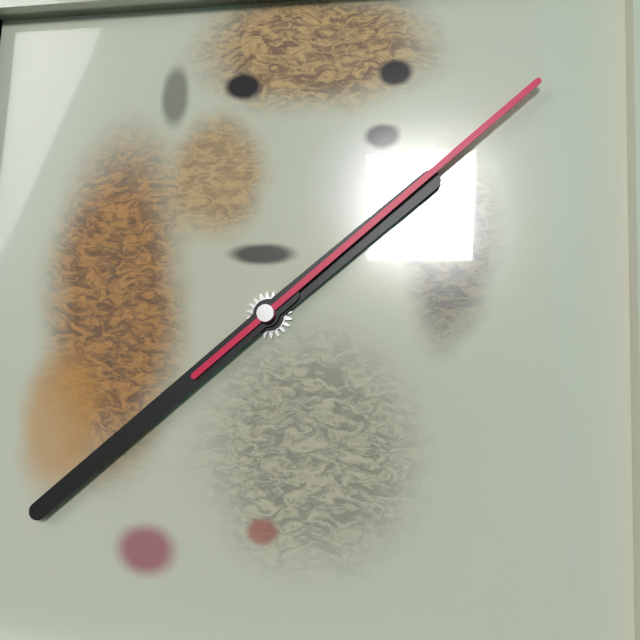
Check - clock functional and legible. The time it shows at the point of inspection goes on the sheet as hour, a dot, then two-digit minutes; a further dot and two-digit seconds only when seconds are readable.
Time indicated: 1.38.08
